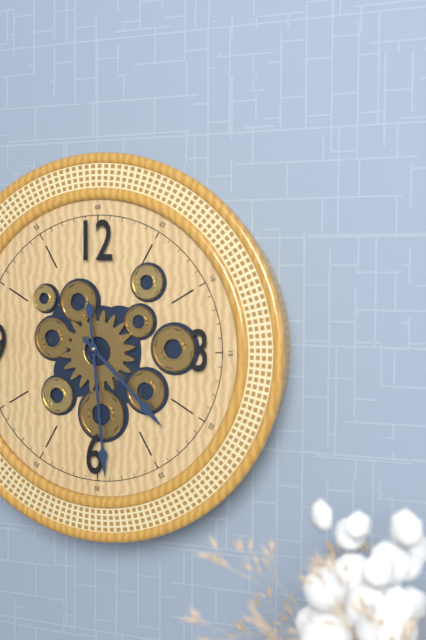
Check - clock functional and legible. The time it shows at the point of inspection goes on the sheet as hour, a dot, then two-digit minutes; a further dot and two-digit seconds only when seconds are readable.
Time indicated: 4.29
